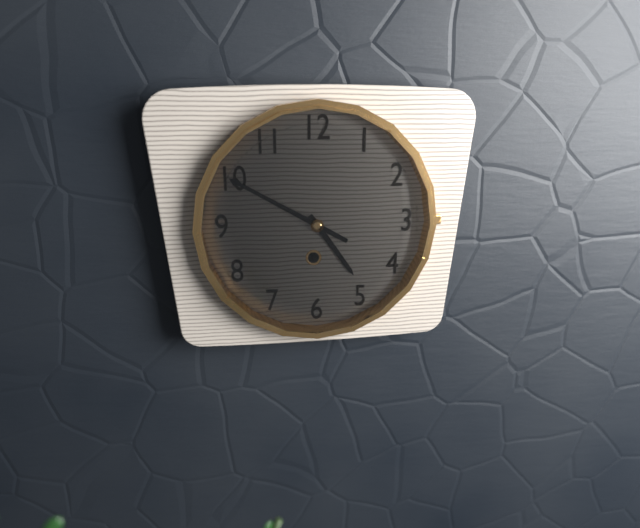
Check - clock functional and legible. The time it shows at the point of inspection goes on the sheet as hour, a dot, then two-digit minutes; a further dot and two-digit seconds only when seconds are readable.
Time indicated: 4.50
